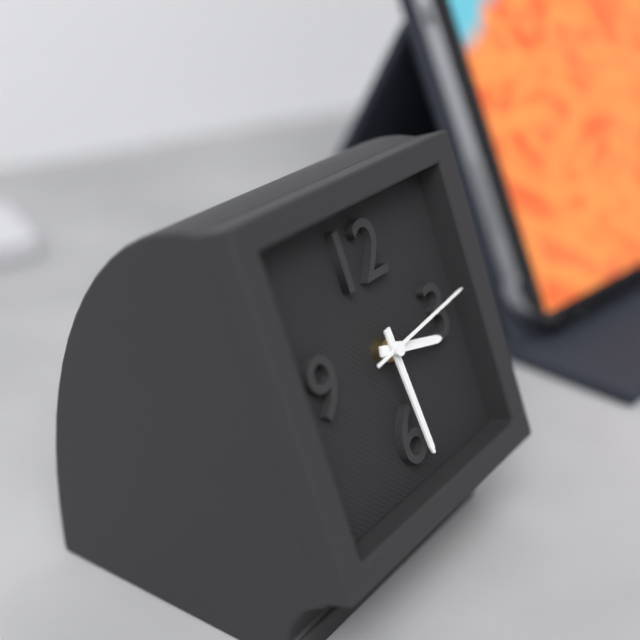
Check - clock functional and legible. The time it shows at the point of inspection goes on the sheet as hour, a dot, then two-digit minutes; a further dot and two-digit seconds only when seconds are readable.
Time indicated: 3.29.14
